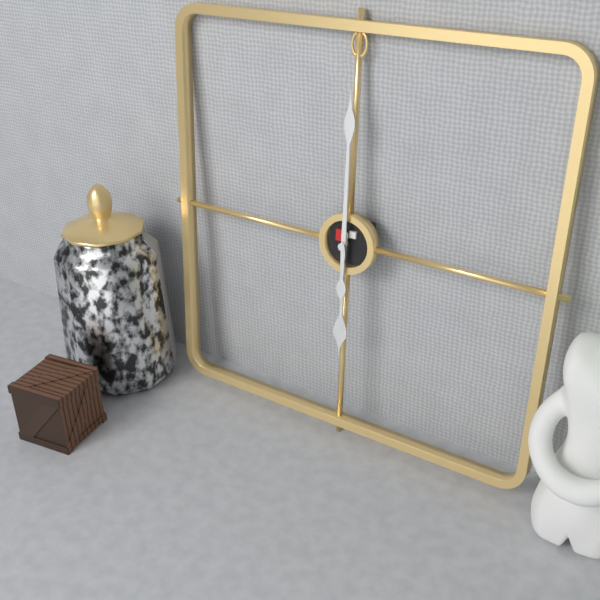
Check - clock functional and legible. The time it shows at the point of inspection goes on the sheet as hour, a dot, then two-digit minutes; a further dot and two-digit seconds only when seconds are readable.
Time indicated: 6.00
